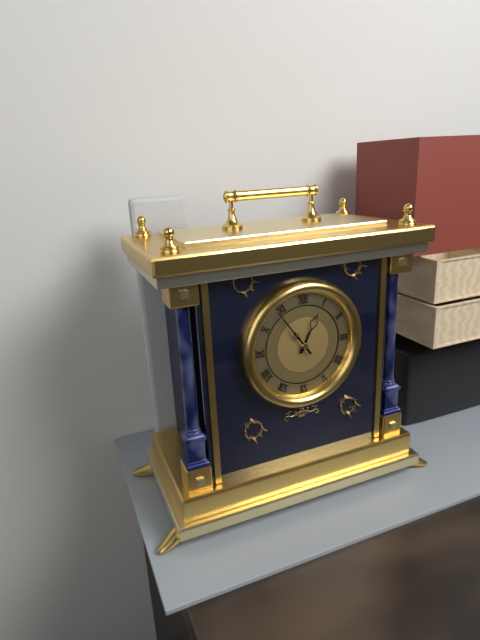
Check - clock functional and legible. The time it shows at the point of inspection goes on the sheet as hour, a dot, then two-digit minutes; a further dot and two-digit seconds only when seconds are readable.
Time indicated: 12.54
